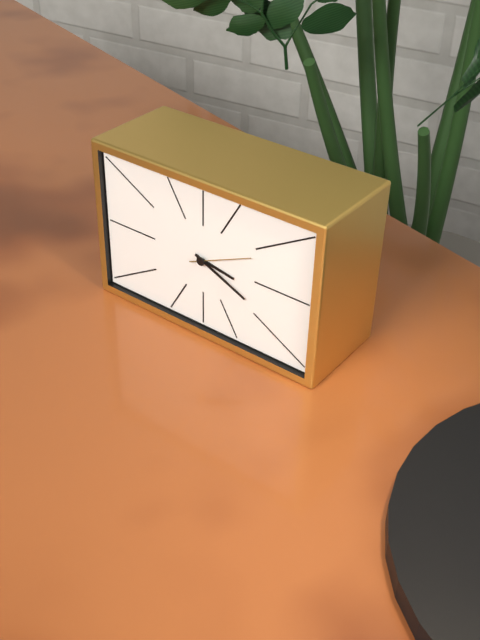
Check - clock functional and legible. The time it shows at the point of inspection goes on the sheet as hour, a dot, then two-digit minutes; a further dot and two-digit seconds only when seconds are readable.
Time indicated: 3.19.11
